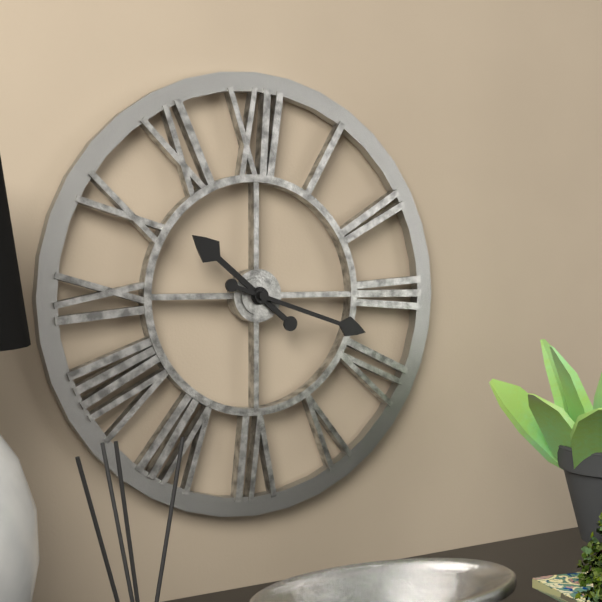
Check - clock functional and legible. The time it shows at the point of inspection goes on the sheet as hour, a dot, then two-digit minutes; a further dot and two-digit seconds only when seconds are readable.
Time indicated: 10.18
